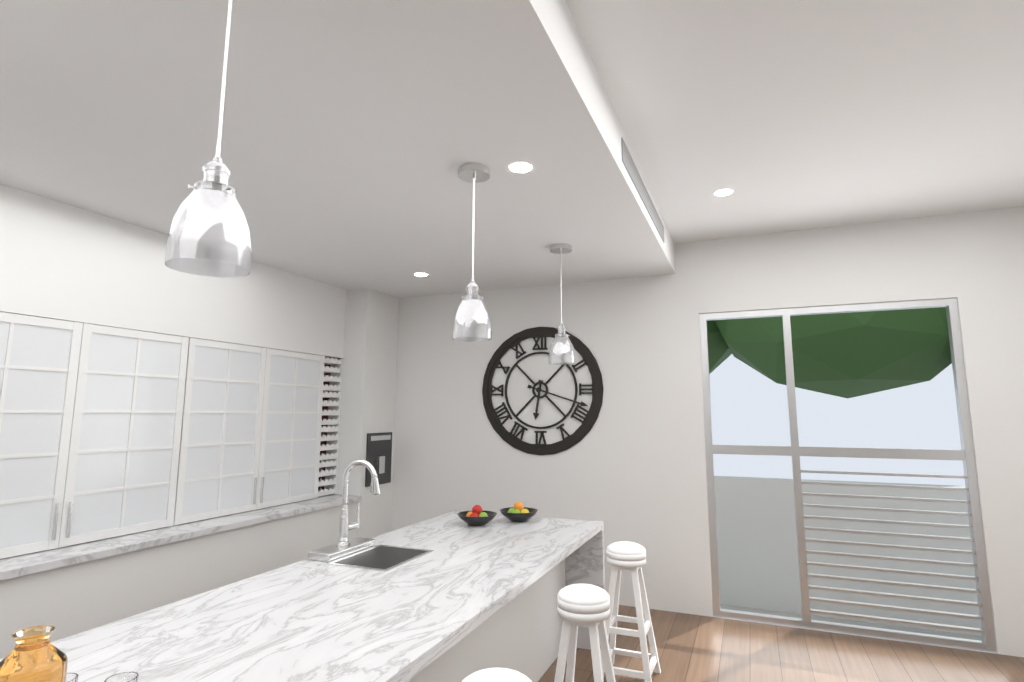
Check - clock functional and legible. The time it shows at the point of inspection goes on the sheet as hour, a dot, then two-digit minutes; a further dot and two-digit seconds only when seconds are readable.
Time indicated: 6.18
